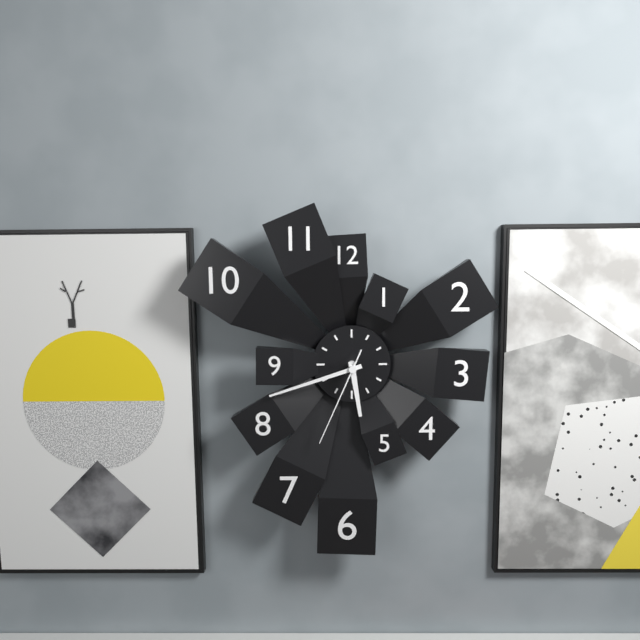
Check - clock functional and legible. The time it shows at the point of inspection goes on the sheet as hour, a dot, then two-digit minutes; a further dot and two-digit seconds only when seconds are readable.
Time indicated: 5.42.34
